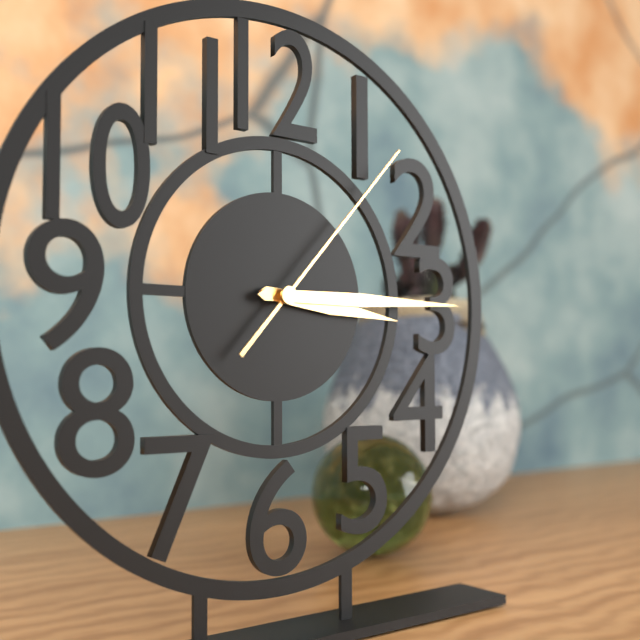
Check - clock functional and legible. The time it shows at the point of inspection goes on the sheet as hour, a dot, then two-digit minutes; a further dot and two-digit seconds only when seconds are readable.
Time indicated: 3.15.07
